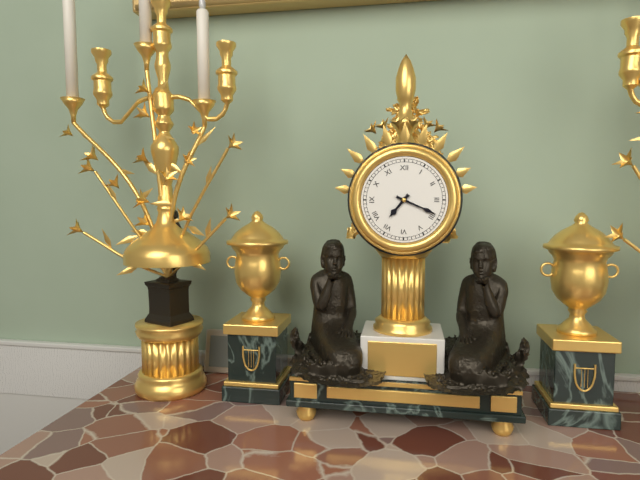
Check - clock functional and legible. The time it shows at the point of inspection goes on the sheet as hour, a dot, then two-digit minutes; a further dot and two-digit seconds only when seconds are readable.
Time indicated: 7.19
